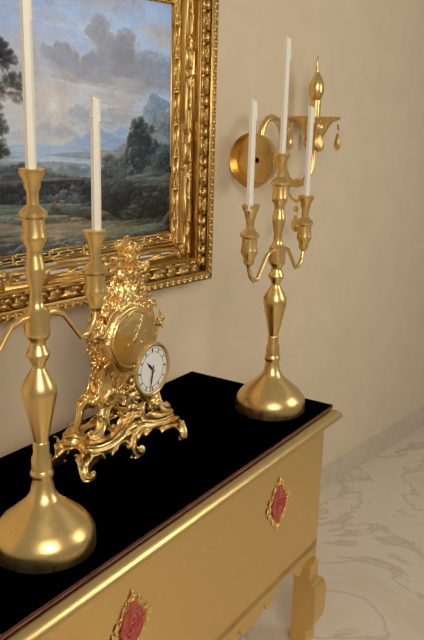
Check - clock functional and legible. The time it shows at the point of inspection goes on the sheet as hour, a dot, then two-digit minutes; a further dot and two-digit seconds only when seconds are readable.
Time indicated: 10.32
